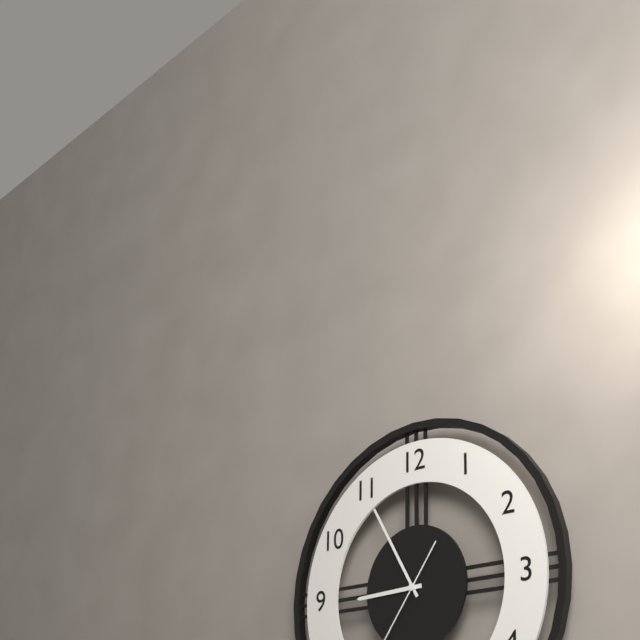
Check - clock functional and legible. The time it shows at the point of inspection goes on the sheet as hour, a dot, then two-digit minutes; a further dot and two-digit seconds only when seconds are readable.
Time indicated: 8.55
